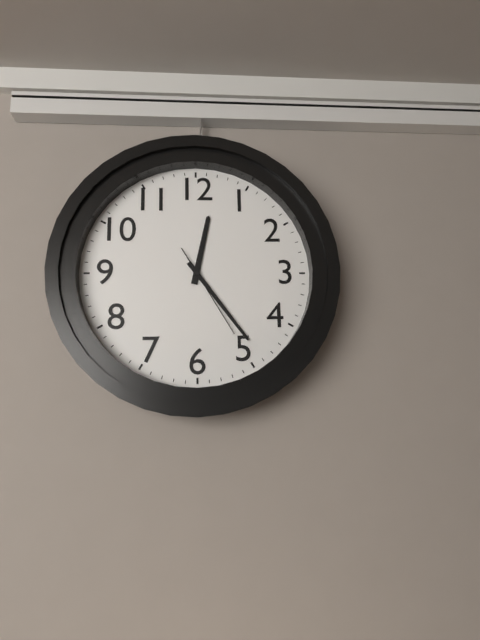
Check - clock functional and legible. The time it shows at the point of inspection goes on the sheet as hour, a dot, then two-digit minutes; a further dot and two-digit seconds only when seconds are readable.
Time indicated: 12.24.25
